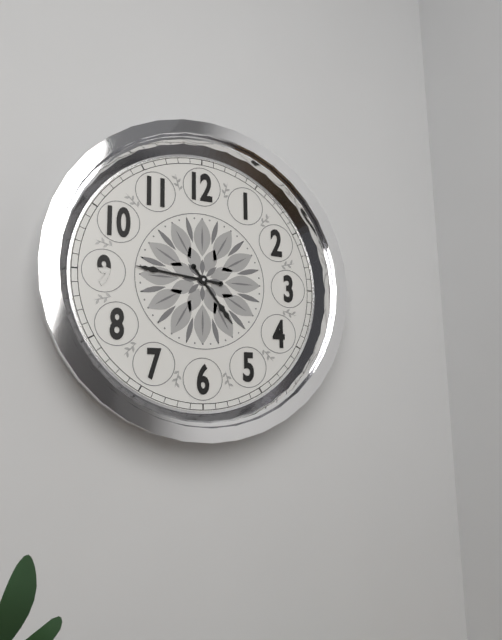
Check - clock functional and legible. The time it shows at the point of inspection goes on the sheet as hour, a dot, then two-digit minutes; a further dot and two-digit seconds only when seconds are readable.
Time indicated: 4.46
